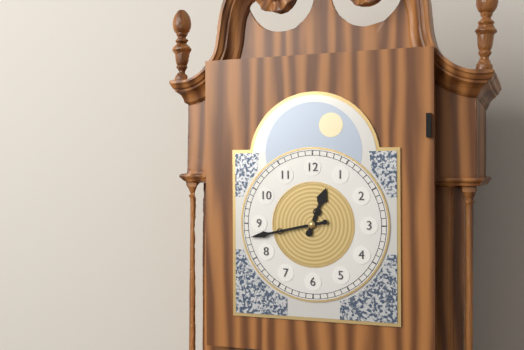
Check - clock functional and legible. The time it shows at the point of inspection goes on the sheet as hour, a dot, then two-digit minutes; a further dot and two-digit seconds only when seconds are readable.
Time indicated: 12.43
